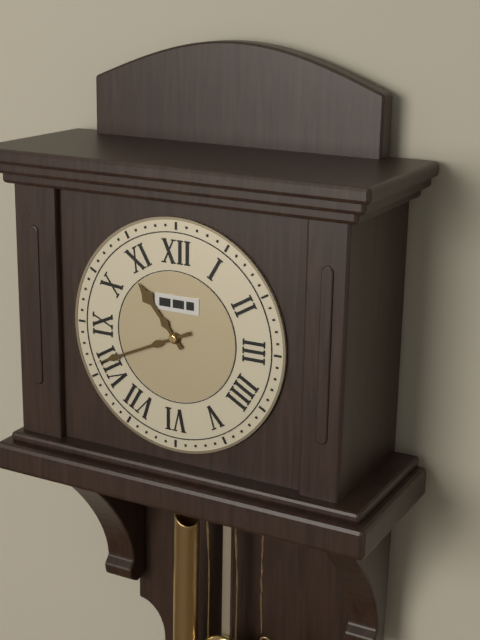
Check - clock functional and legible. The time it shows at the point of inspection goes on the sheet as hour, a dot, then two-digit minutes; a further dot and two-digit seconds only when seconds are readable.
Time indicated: 10.41
